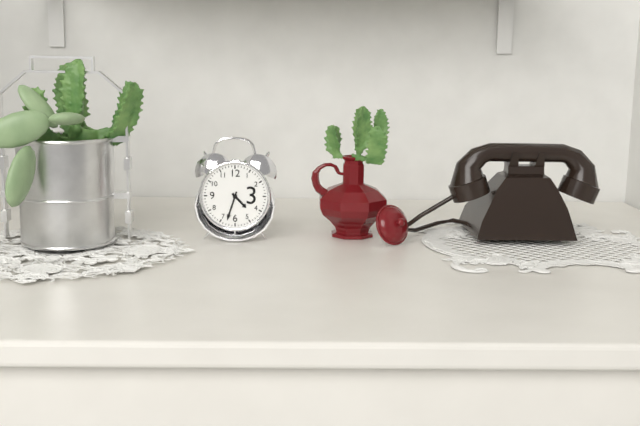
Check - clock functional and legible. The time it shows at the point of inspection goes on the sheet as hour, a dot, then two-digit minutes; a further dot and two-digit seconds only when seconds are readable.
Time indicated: 4.33
